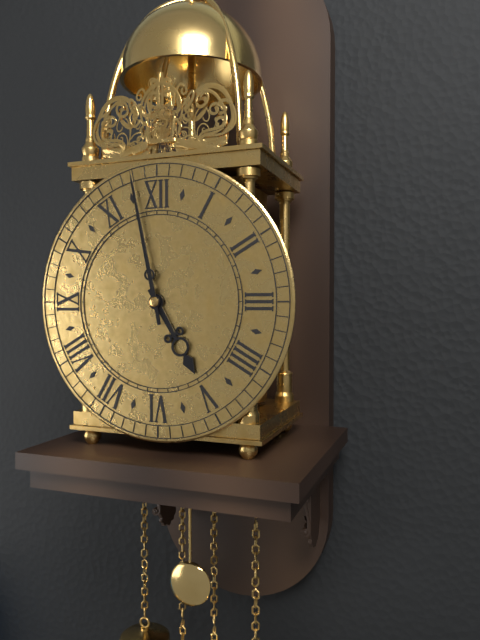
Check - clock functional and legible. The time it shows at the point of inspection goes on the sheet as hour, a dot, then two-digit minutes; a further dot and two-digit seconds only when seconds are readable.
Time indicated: 4.58
